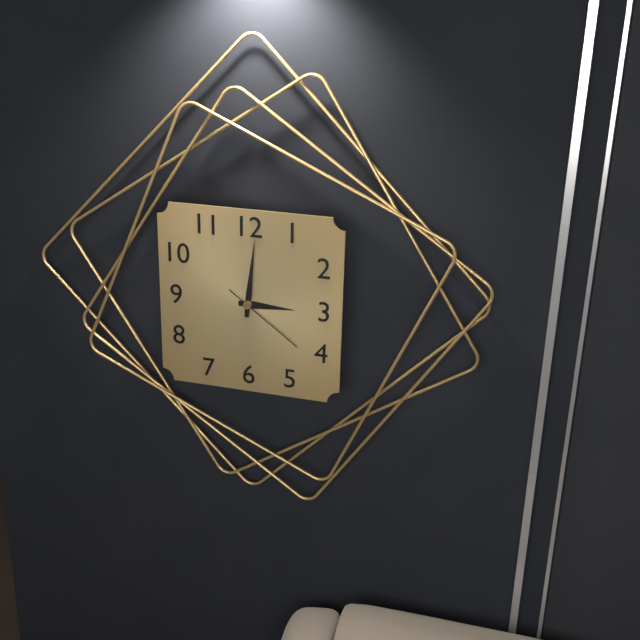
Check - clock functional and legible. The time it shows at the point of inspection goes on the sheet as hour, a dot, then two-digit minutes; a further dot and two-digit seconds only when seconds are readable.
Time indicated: 3.01.21
